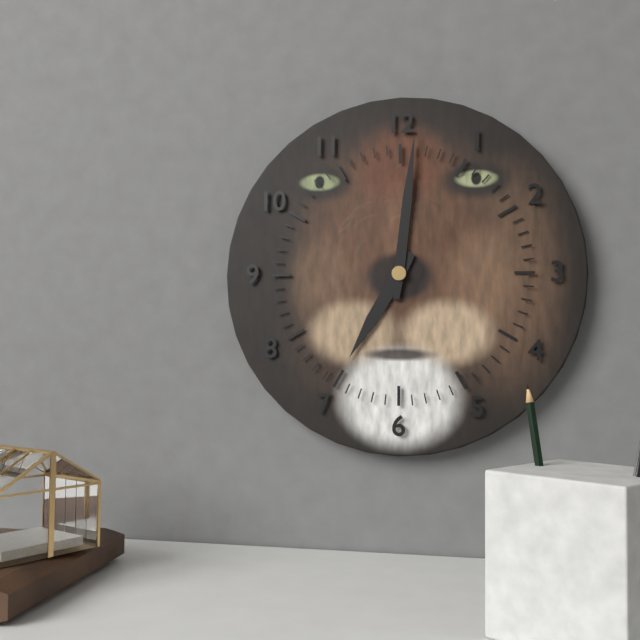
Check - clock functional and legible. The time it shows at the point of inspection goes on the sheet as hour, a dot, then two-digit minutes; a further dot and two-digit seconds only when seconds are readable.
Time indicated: 7.01
